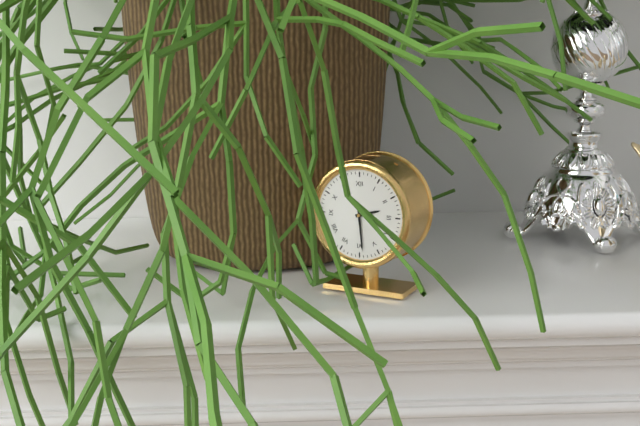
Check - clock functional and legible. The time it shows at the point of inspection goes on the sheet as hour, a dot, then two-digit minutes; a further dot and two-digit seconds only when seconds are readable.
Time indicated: 2.29
